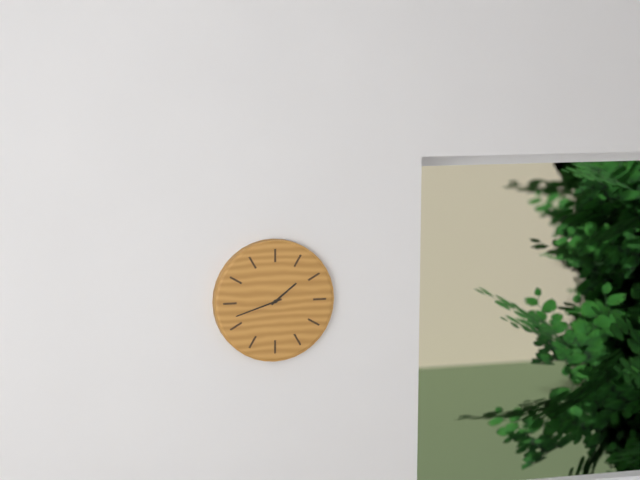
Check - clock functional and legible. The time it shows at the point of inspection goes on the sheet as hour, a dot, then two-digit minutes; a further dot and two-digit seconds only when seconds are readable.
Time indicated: 1.42
